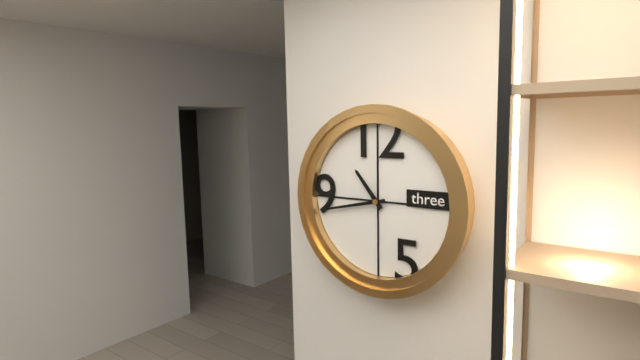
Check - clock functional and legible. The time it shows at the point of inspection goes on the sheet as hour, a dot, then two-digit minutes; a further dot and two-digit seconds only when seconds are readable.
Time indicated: 10.43
